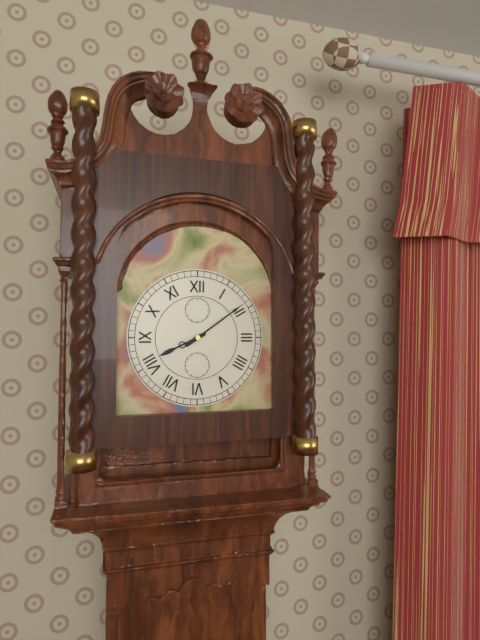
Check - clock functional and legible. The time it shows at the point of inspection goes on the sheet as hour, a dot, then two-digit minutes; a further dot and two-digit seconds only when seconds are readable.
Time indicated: 8.09
